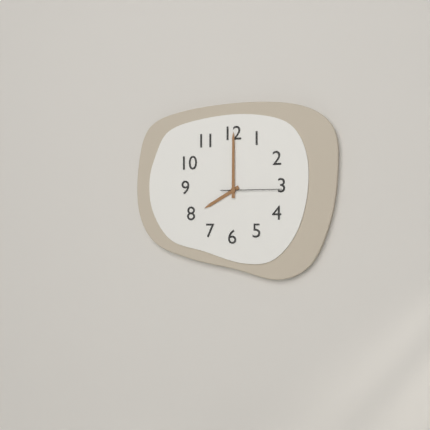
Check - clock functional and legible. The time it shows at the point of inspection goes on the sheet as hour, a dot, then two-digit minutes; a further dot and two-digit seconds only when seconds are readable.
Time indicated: 8.00.15
